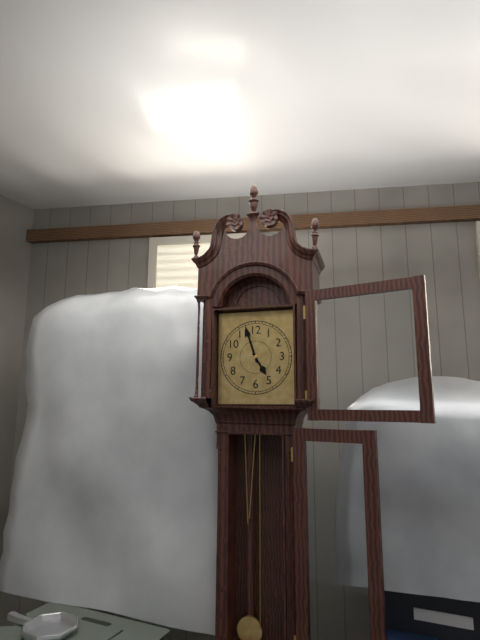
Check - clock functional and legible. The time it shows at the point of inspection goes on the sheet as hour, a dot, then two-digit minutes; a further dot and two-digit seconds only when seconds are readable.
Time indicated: 4.57
